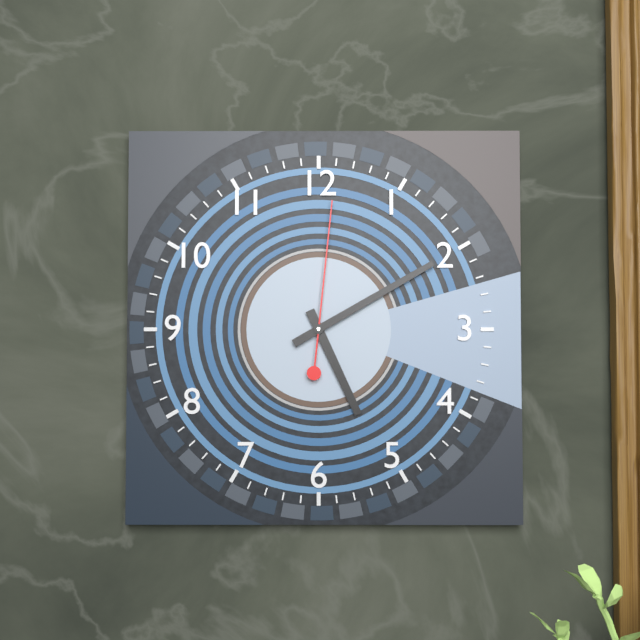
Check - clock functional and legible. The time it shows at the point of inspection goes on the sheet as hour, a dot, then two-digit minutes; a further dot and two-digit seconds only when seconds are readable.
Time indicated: 5.10.01
